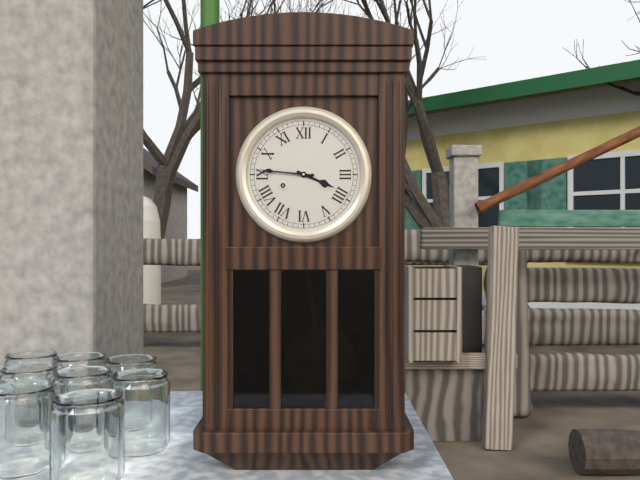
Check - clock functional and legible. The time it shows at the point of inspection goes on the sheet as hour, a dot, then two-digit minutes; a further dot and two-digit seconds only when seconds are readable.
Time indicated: 3.46
